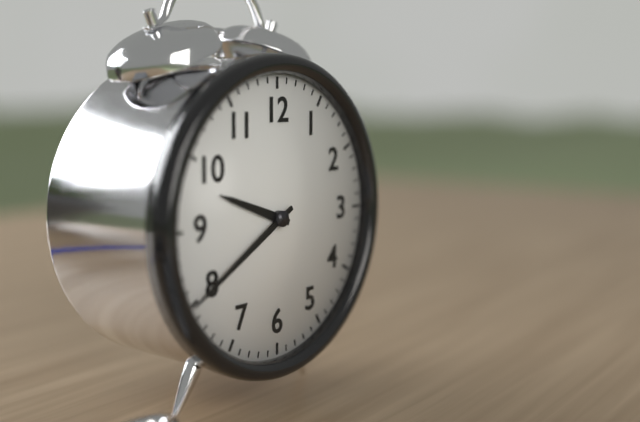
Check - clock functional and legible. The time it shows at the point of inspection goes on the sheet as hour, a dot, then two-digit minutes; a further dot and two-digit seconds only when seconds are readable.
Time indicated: 9.40
